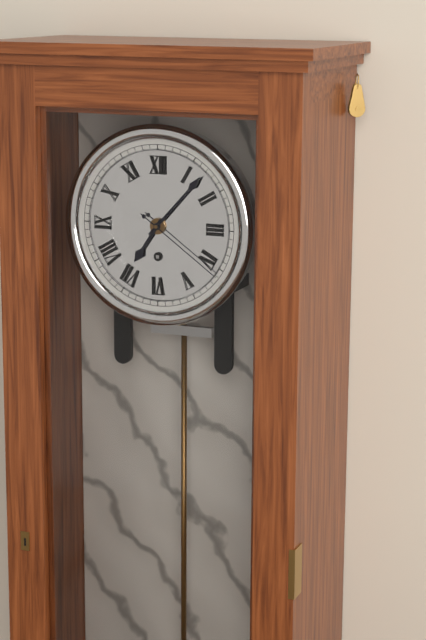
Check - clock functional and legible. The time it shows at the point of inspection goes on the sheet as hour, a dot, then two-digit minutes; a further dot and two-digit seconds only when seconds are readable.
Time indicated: 7.07.21
